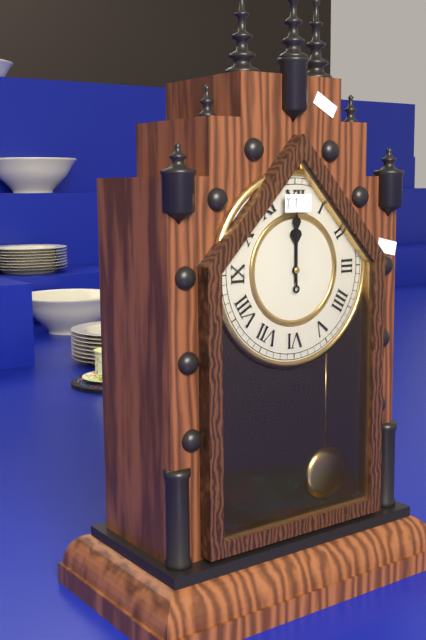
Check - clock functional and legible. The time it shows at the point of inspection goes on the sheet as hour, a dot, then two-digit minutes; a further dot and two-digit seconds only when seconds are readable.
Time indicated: 12.00
